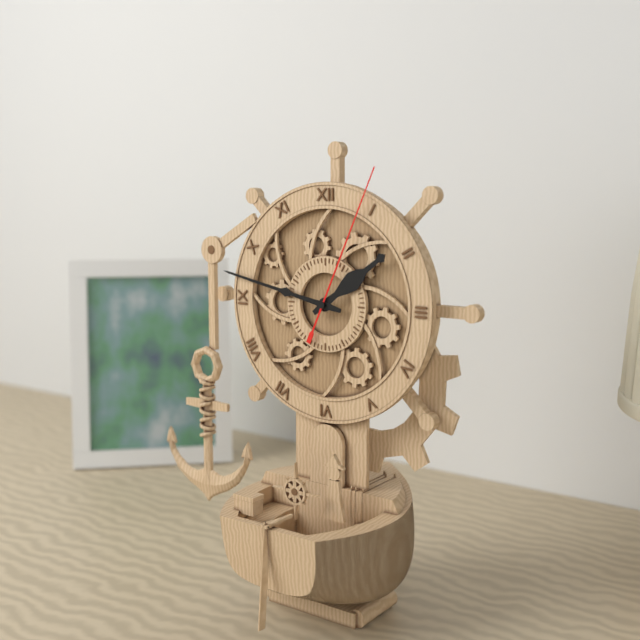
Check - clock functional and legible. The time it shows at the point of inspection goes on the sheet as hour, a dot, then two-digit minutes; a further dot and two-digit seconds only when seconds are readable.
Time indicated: 1.47.04
